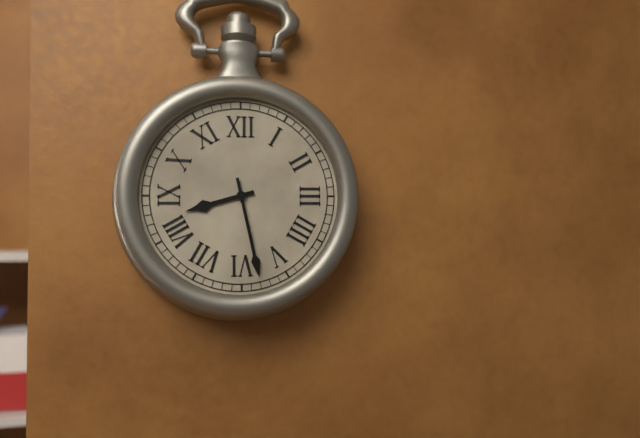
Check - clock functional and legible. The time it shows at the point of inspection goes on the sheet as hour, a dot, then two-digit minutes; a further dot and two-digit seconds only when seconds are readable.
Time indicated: 8.28
